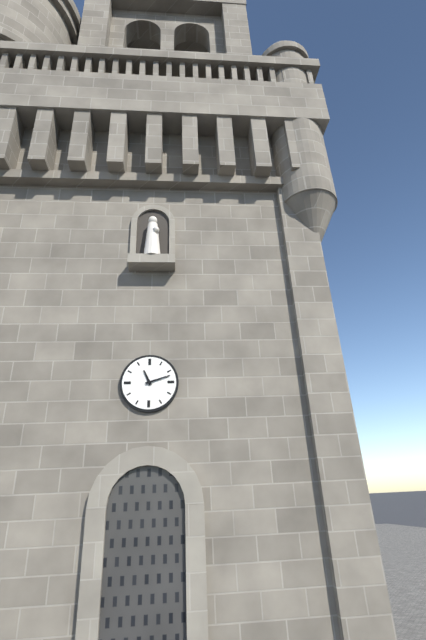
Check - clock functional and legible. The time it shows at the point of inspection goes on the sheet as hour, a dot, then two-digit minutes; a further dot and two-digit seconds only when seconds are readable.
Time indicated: 11.12
